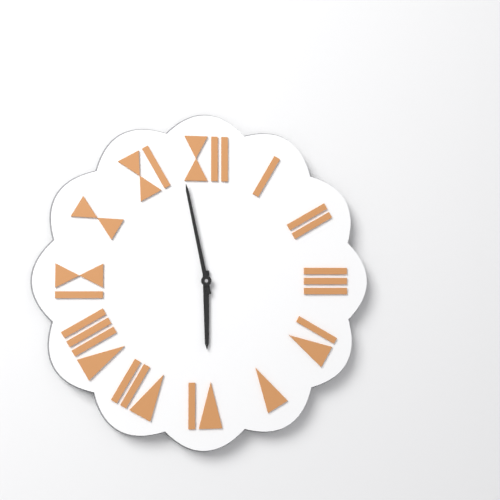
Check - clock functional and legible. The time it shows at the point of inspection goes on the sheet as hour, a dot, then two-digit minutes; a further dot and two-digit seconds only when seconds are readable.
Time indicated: 5.58
